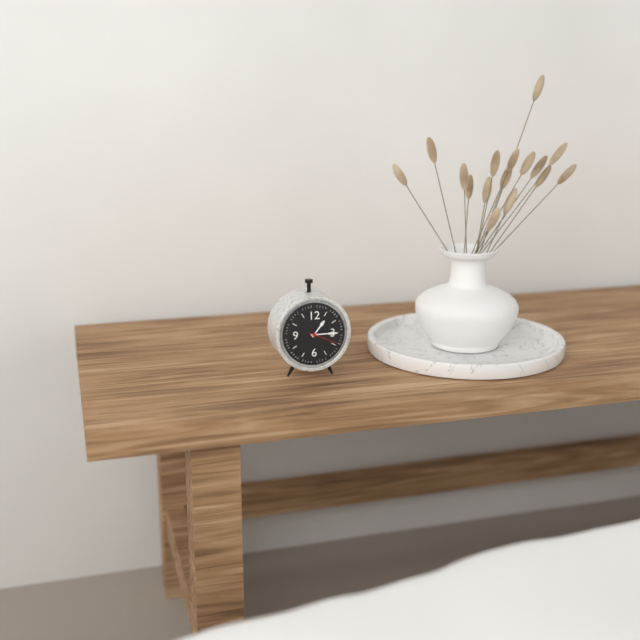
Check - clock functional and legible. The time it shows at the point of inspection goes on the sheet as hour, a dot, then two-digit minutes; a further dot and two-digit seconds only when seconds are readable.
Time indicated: 1.15
